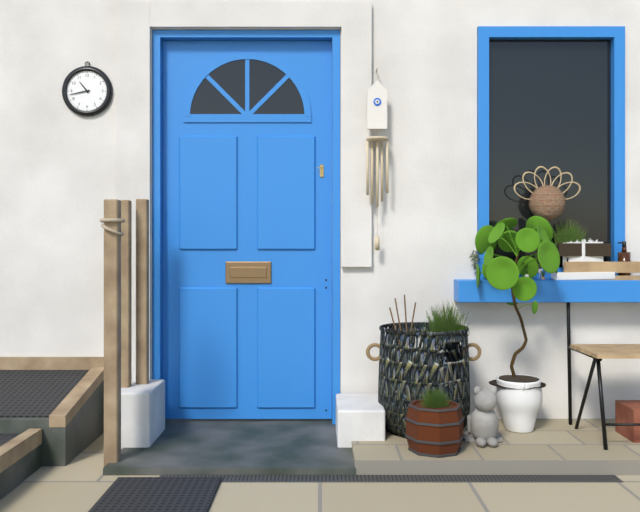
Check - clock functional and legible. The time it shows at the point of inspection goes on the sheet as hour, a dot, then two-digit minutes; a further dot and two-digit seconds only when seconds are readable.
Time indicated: 10.43
